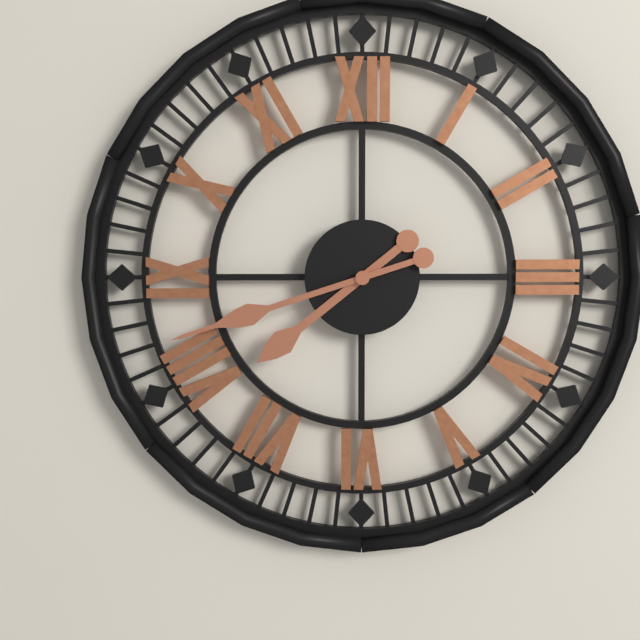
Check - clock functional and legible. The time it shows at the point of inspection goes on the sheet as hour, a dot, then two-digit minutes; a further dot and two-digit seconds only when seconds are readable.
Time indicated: 7.42
